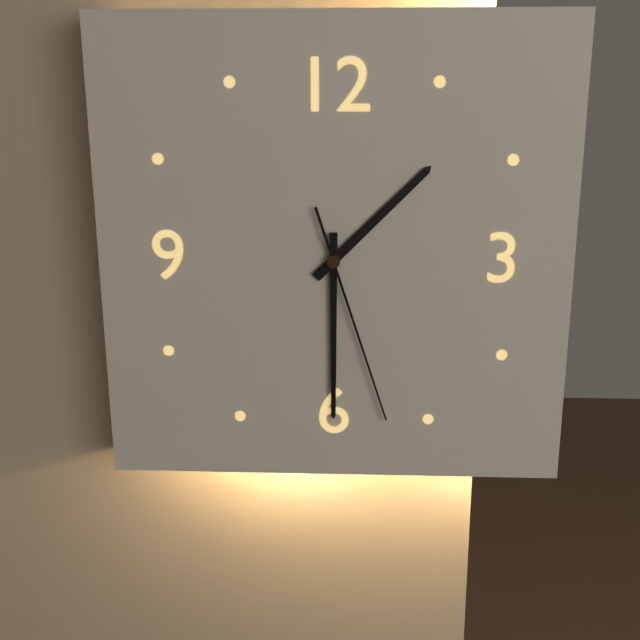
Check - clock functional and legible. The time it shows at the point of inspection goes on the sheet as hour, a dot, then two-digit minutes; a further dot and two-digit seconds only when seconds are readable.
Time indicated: 1.30.27
